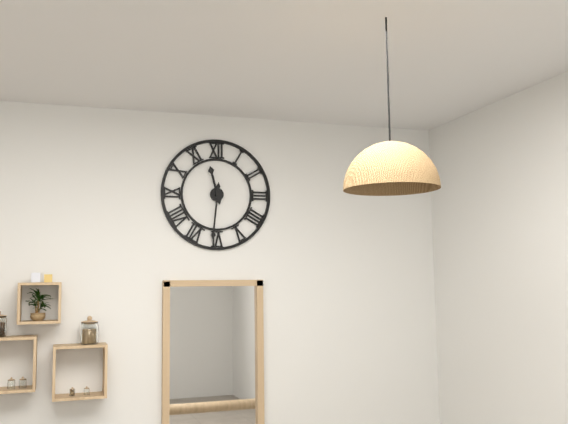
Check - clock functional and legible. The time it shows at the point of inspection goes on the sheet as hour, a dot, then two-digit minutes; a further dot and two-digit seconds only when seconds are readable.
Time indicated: 11.31
